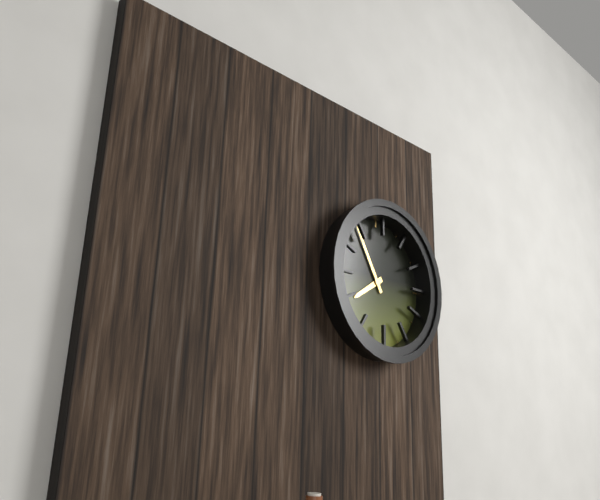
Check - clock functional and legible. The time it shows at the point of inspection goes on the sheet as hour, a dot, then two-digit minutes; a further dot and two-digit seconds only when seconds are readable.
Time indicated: 7.55
